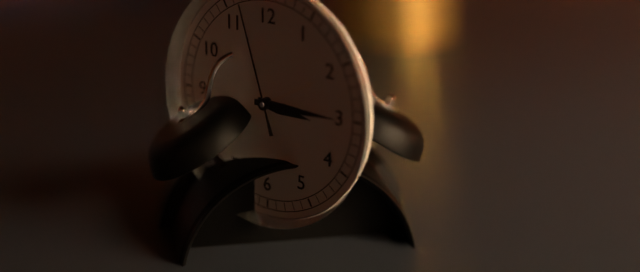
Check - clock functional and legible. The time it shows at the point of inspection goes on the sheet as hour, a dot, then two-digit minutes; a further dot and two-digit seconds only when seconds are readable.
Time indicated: 3.15.57
